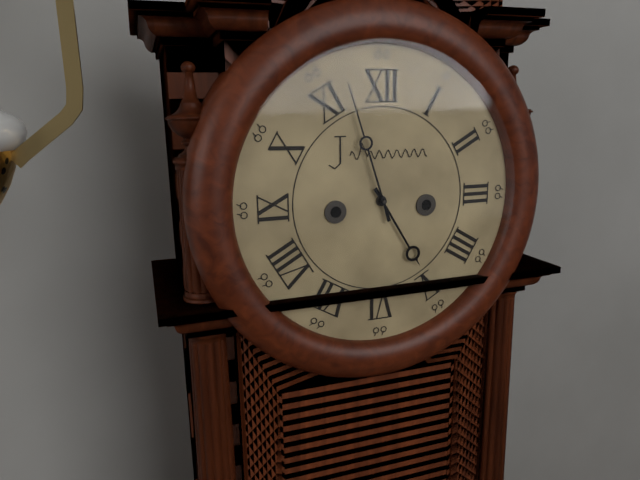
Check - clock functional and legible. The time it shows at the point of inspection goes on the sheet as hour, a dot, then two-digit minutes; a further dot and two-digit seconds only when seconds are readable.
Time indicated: 4.57
